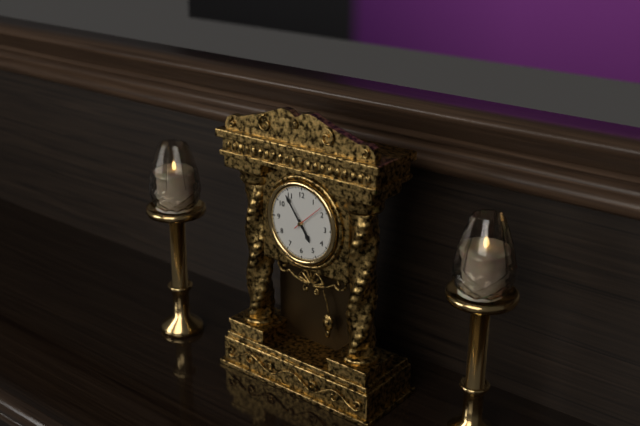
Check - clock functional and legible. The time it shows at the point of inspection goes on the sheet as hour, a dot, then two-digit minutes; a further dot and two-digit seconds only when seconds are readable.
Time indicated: 4.54
